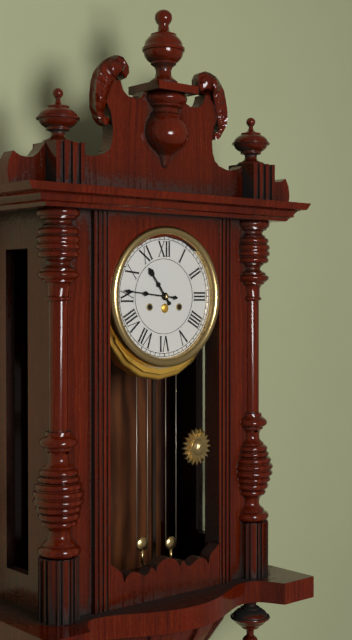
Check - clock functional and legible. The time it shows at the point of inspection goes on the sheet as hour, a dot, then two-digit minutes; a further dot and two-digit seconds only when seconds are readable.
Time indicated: 10.46
